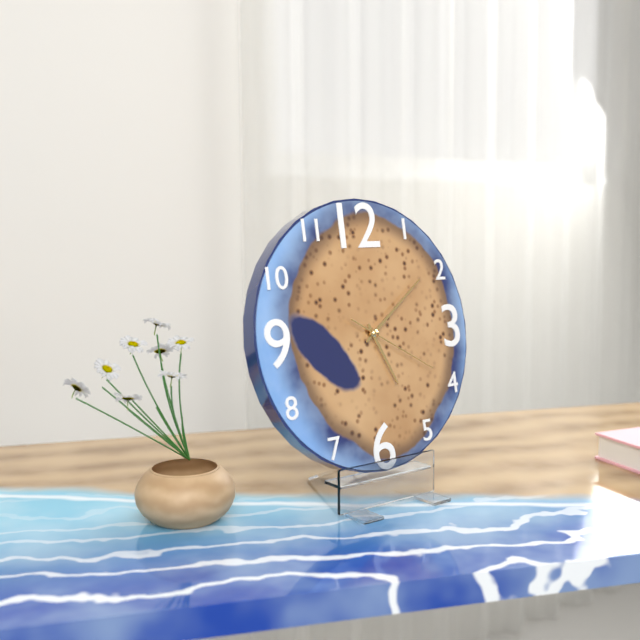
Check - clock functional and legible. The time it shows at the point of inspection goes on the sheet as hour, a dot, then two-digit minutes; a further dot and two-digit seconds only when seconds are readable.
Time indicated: 5.09.20
